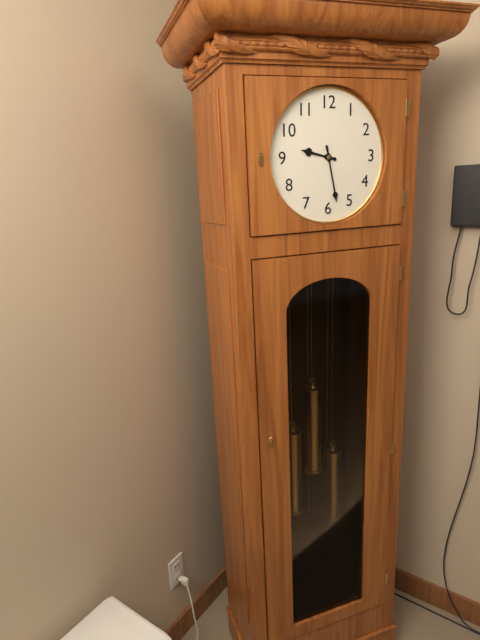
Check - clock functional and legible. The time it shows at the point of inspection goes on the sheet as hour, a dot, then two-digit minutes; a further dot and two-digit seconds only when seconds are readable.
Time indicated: 9.28
